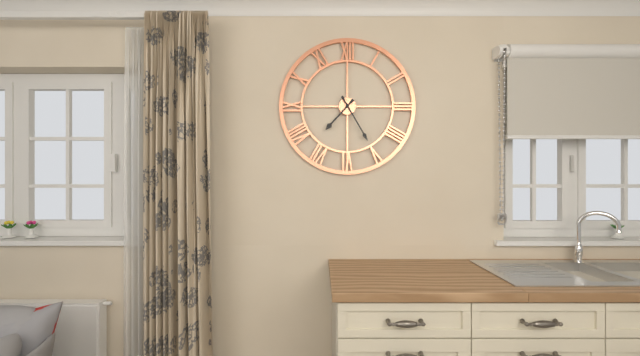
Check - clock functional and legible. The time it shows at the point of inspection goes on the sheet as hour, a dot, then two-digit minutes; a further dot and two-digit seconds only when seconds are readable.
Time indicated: 7.25
